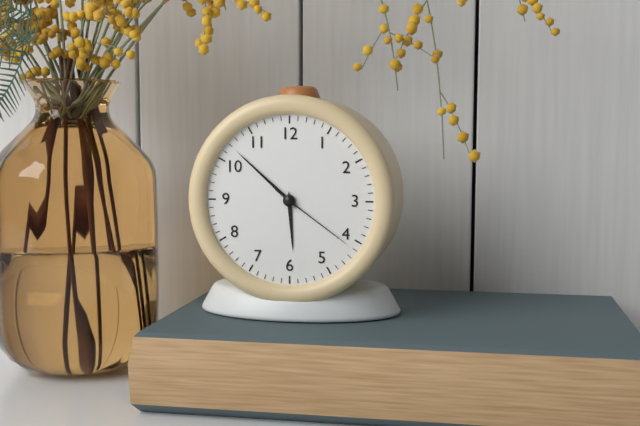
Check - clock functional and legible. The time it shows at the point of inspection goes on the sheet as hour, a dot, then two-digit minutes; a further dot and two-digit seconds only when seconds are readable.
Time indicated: 5.52.21
